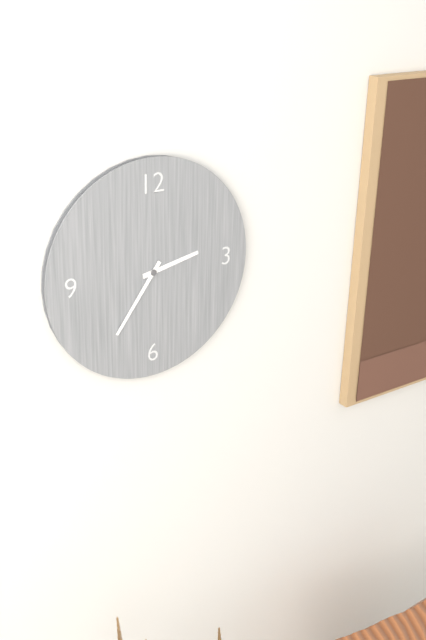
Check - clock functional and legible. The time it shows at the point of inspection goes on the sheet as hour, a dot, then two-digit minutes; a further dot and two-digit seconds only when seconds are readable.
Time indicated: 2.36
